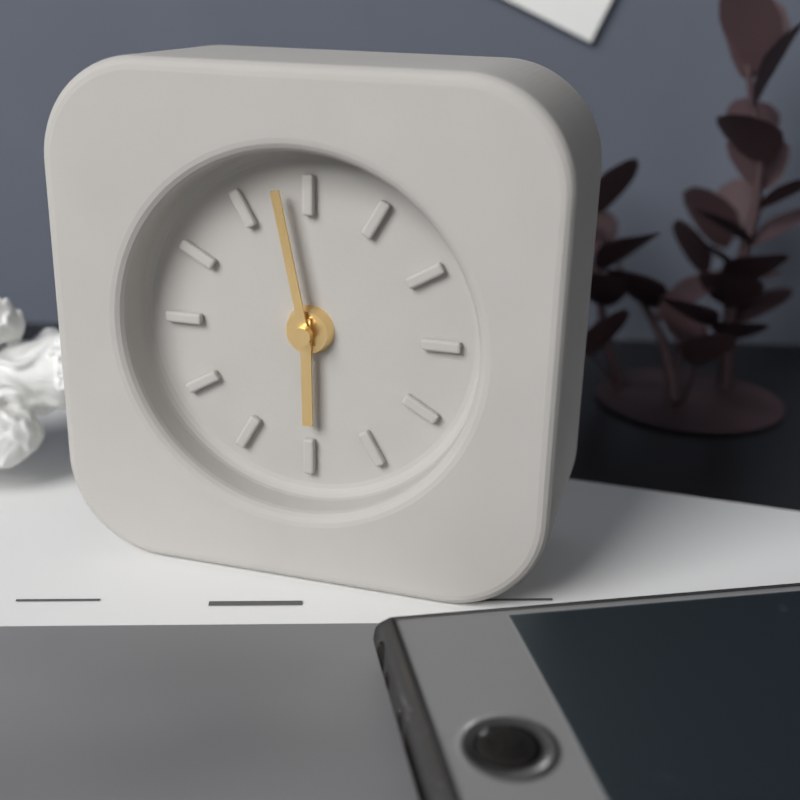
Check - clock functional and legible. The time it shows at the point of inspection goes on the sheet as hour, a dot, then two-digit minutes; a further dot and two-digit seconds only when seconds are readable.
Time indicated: 5.58
